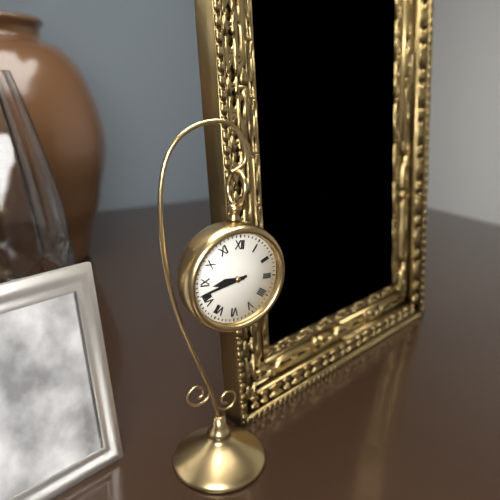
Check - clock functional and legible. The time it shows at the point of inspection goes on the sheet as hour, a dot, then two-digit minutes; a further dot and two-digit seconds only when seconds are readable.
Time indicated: 8.42
